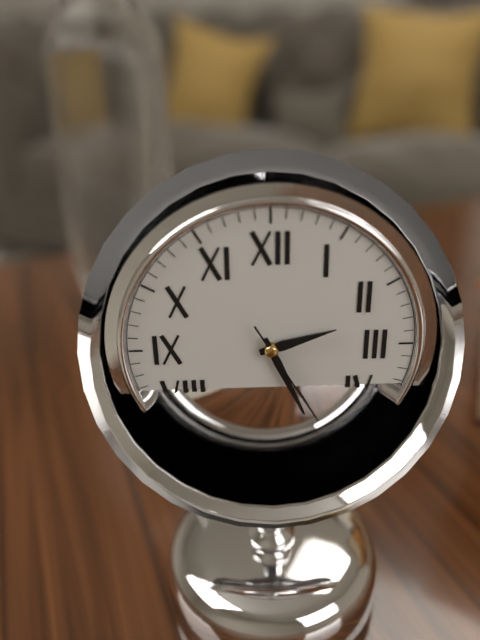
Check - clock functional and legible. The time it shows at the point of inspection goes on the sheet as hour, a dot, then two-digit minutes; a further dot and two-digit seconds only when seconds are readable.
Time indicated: 2.26.25
